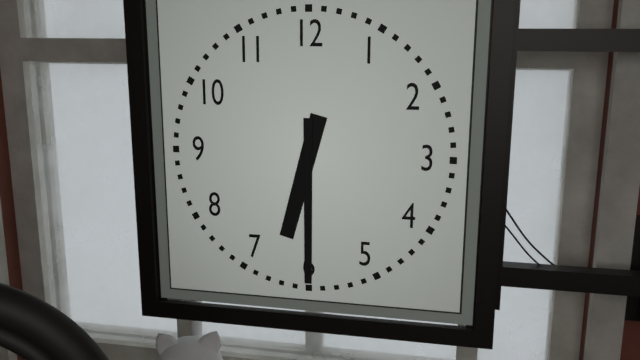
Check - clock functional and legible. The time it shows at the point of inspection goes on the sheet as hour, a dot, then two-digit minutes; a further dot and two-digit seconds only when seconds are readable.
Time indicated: 6.30
